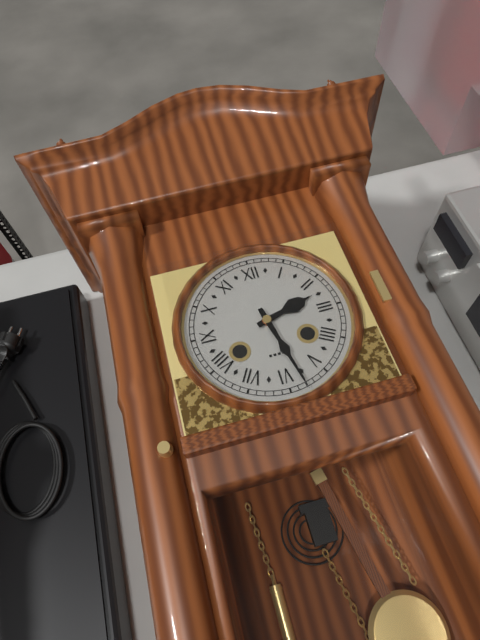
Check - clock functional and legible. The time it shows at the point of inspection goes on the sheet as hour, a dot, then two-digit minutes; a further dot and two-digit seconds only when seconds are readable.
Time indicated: 2.28
